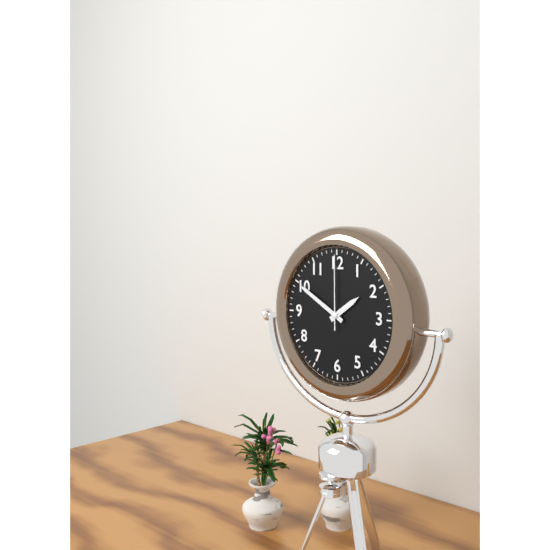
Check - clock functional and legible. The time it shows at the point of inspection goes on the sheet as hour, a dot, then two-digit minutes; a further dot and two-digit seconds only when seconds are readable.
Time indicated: 1.50.00
